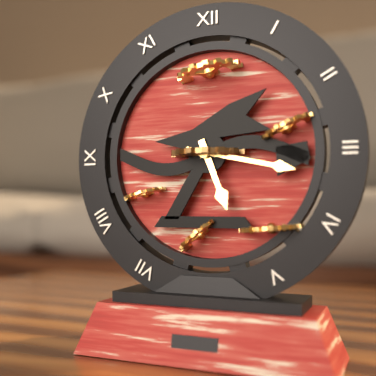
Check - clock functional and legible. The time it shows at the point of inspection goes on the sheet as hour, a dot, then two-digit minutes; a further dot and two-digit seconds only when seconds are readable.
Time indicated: 5.17
